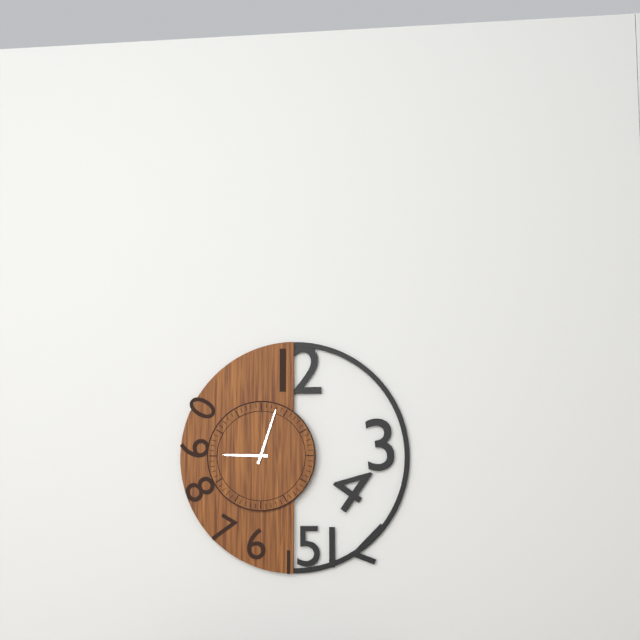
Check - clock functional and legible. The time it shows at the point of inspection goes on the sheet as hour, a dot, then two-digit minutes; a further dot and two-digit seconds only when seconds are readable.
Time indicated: 9.03
